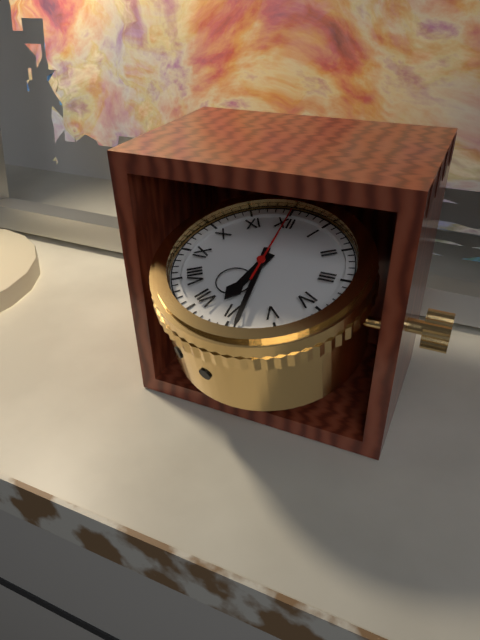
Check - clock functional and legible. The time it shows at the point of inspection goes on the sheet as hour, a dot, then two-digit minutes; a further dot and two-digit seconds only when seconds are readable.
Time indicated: 6.29.00
